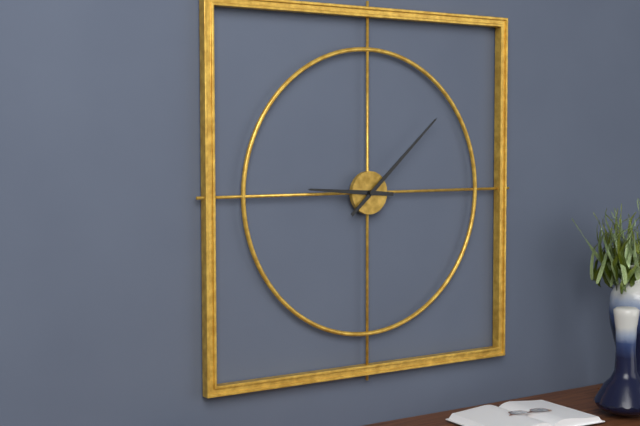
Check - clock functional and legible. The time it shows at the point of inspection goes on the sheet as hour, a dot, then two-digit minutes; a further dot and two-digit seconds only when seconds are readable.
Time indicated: 9.08
